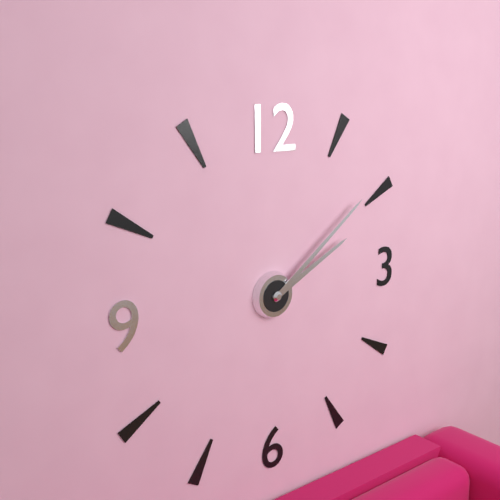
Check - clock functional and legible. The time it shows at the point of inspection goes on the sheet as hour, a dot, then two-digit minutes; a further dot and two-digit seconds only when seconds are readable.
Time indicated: 2.09
